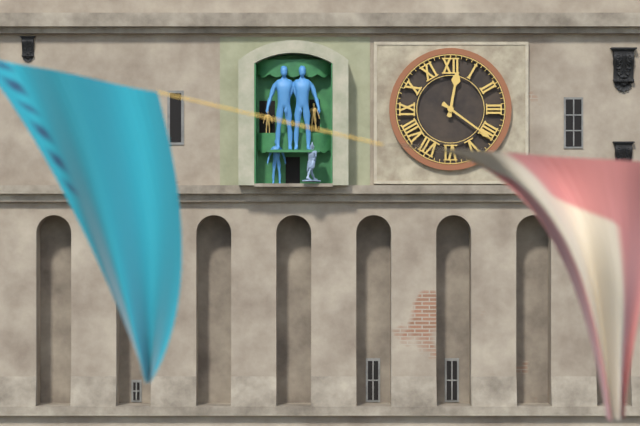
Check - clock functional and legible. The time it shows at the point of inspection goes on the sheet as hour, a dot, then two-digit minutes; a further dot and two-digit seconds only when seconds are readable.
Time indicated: 12.21
